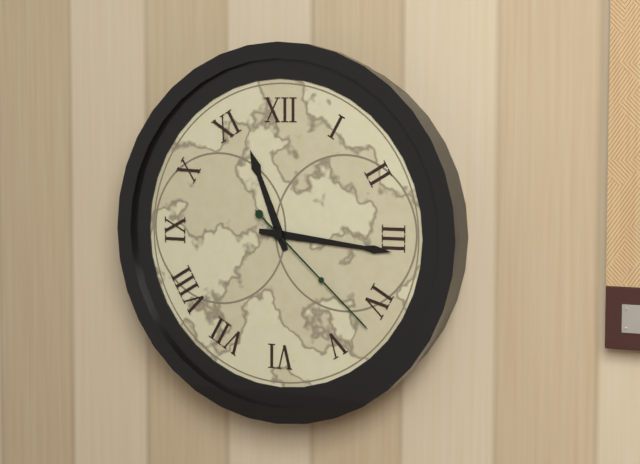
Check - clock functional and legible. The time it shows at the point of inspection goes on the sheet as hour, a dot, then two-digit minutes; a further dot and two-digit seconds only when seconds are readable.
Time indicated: 11.16.22
